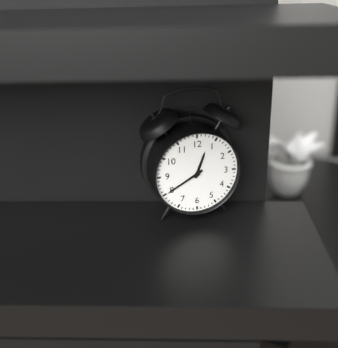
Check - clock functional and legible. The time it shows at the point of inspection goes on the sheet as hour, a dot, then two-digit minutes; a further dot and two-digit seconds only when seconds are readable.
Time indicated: 12.40
